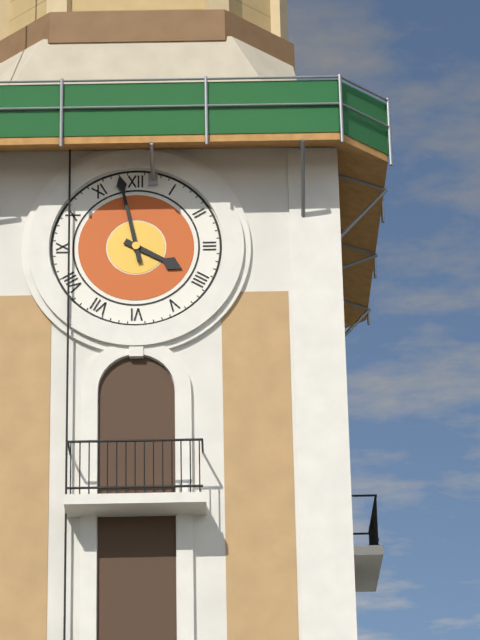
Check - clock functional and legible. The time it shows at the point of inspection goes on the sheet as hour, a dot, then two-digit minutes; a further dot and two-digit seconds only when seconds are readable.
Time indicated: 3.58
